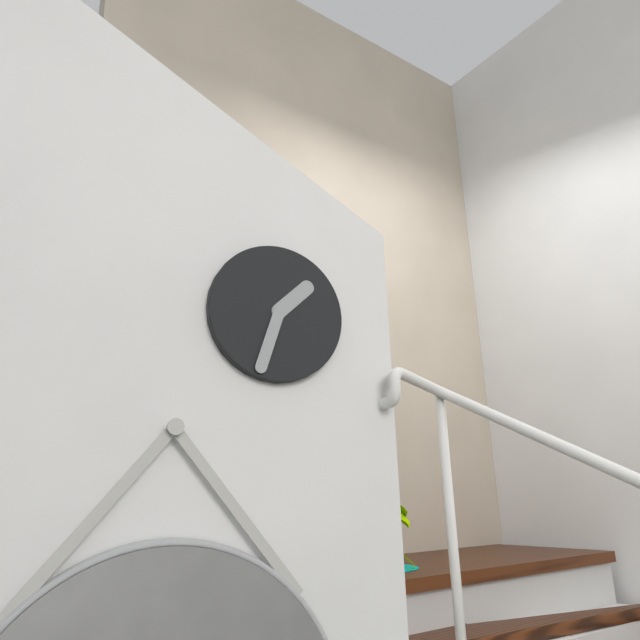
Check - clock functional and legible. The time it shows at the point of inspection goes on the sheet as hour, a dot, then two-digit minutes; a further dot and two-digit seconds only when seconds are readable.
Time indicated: 1.33
